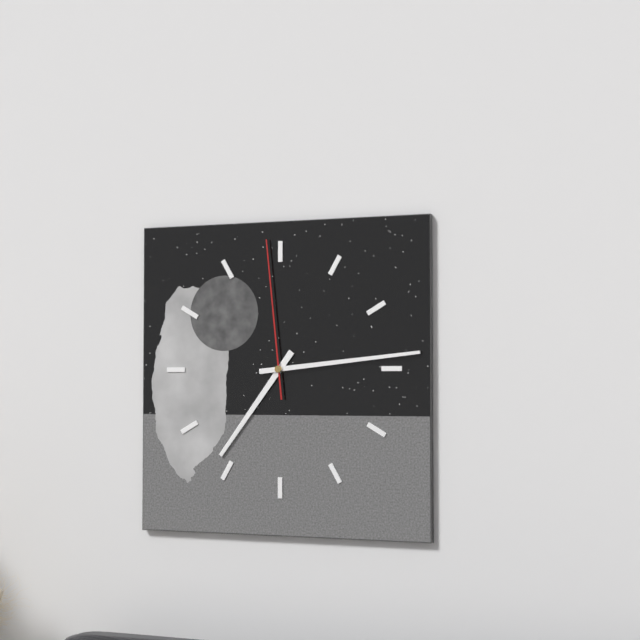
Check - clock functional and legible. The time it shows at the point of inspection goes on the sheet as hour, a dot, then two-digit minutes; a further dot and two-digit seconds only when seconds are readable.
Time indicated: 7.14.59
